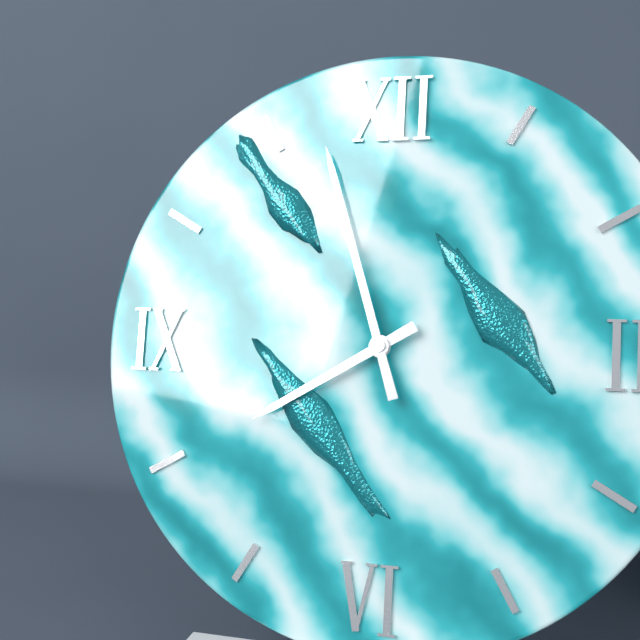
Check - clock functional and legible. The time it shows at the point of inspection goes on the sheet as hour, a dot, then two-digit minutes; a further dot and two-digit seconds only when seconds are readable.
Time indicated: 7.57
